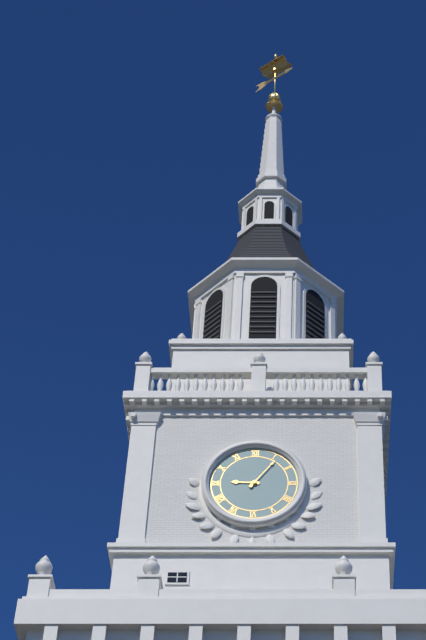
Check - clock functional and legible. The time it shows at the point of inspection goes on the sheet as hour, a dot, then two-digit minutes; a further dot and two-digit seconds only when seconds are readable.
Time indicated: 9.06
